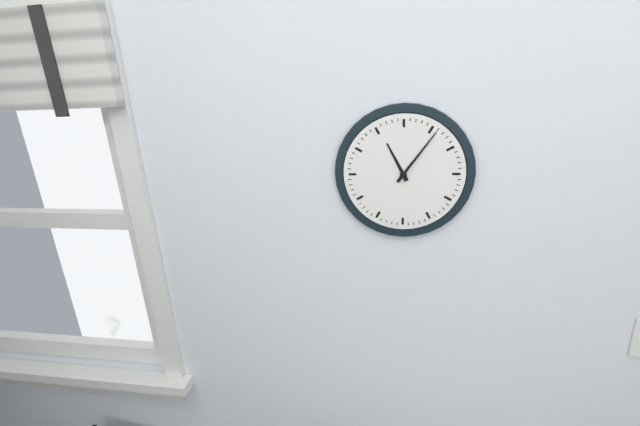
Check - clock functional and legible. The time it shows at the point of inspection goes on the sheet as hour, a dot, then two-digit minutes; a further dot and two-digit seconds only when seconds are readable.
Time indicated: 11.06
